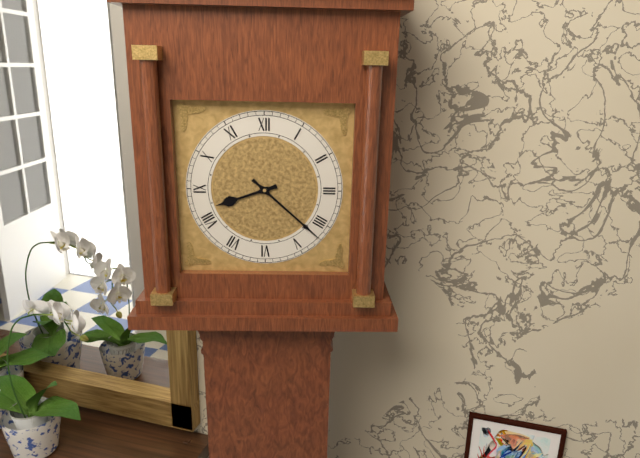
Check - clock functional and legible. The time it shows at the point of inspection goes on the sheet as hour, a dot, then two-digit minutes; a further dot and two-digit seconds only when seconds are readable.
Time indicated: 8.22
